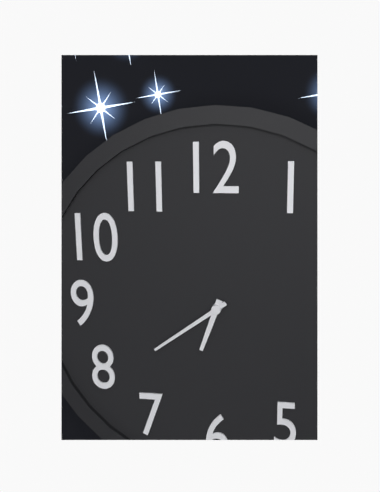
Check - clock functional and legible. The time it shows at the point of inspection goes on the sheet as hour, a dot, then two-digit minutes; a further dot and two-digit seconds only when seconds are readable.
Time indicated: 6.39
